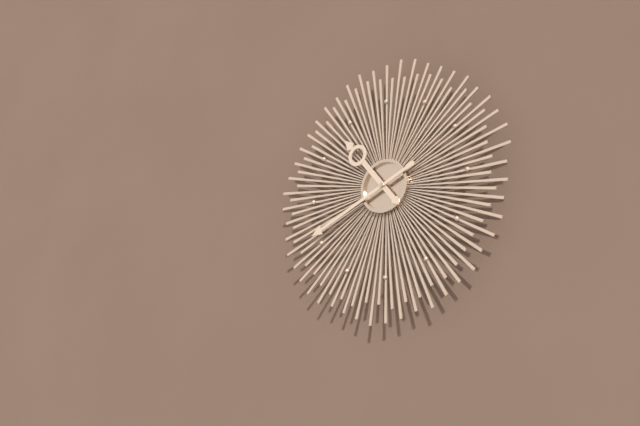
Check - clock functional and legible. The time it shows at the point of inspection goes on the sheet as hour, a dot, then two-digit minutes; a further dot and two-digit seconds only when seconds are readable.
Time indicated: 10.41
